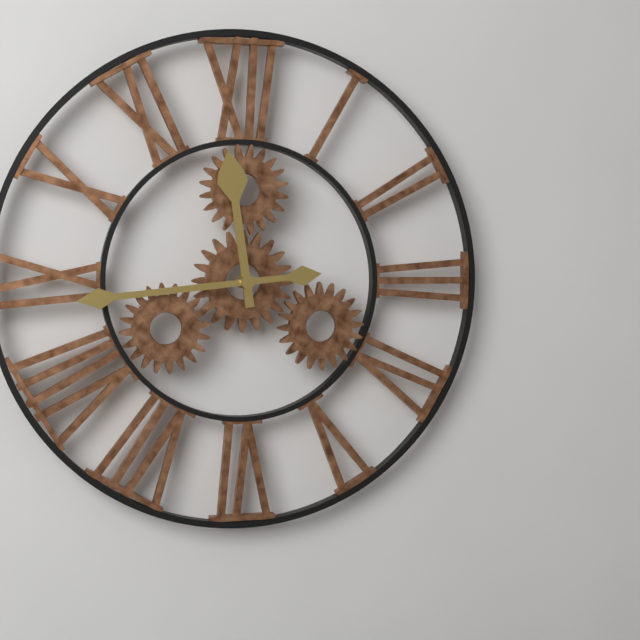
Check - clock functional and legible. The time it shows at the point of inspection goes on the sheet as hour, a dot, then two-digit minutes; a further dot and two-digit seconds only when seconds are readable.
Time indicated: 11.44
